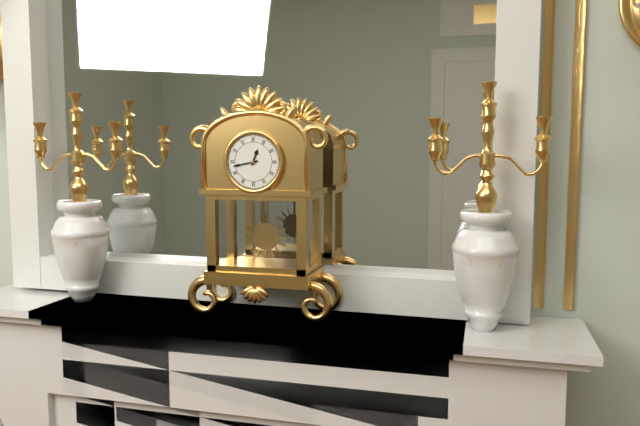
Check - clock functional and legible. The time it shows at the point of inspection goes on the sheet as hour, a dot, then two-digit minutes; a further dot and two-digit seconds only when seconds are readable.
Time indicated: 12.43
